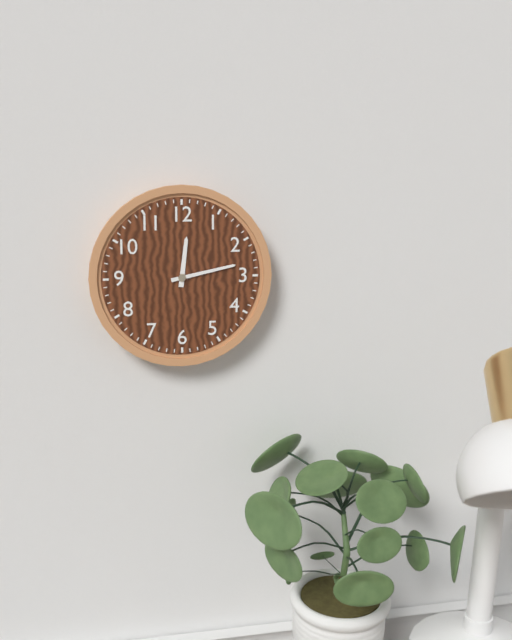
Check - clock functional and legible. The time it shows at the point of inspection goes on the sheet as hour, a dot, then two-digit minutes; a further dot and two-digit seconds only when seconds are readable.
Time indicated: 12.13
